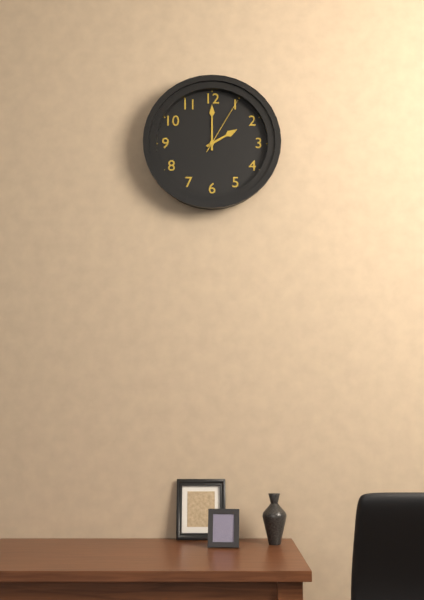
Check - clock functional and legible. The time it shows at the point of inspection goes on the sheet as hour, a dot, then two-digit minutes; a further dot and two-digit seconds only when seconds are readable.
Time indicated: 2.00.05
